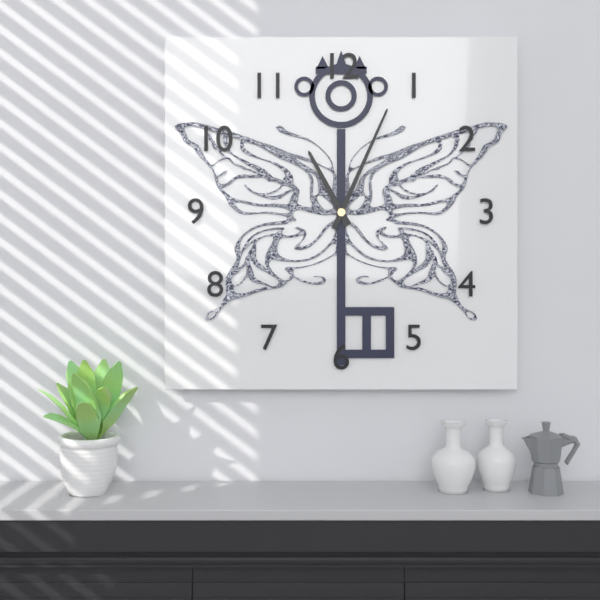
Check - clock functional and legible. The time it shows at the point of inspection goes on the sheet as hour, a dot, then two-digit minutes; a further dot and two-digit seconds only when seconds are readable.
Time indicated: 11.04
